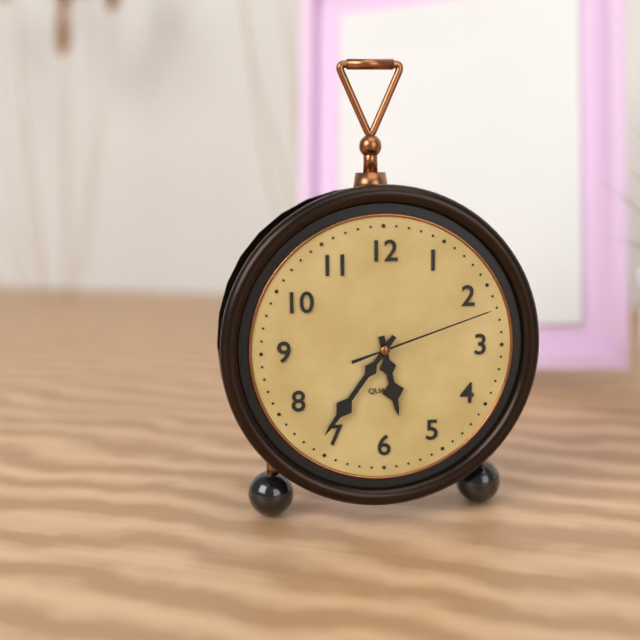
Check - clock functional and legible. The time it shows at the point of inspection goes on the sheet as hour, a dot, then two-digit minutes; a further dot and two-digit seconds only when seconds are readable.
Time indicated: 5.36.12
